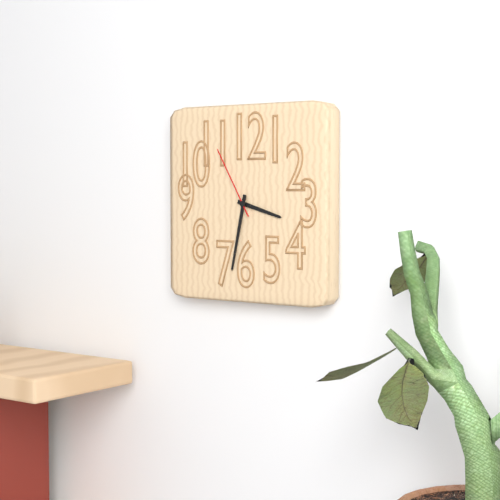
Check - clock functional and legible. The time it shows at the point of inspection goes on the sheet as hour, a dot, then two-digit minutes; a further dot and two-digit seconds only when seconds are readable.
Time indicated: 3.32.55
